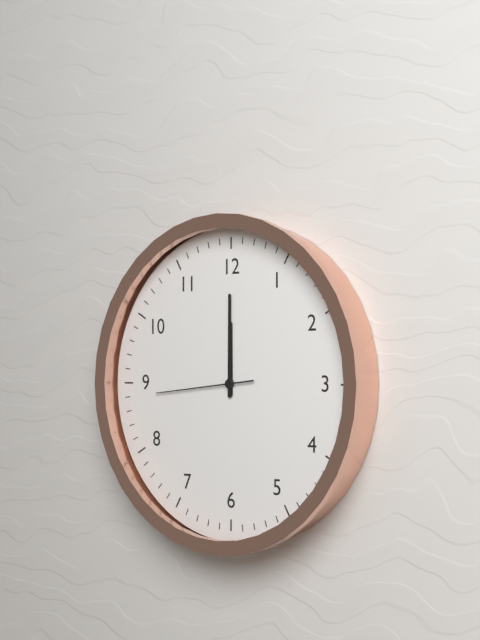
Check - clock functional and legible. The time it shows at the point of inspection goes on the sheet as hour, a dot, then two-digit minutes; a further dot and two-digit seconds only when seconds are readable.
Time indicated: 12.00.44
